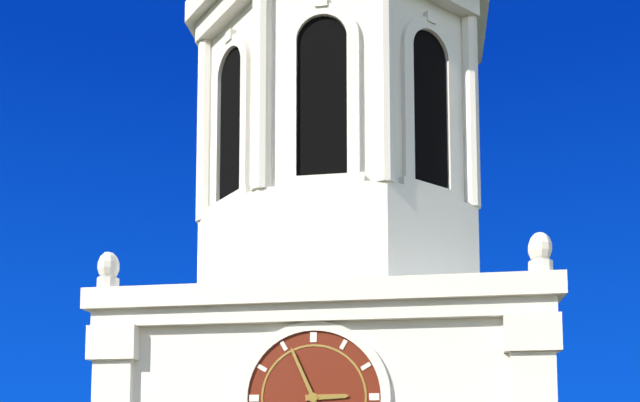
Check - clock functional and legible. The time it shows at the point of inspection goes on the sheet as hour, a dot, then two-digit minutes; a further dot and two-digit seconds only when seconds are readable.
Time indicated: 2.56
